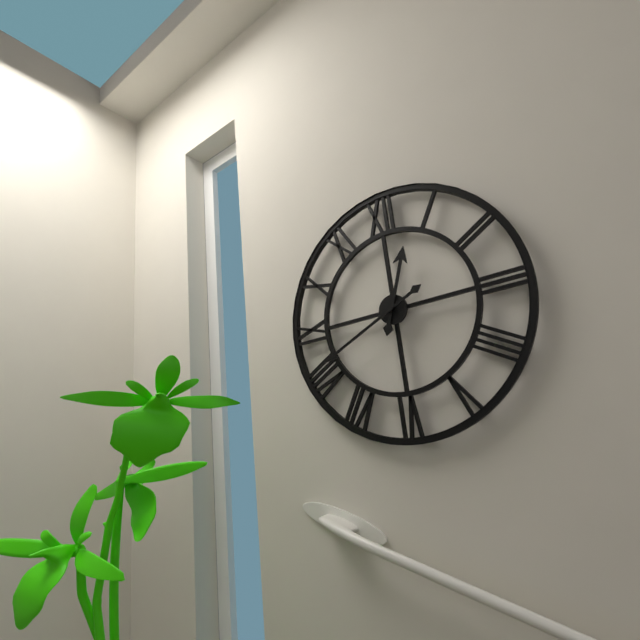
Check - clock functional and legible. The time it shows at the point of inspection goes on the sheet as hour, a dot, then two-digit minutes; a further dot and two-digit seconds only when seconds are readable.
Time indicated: 12.41
